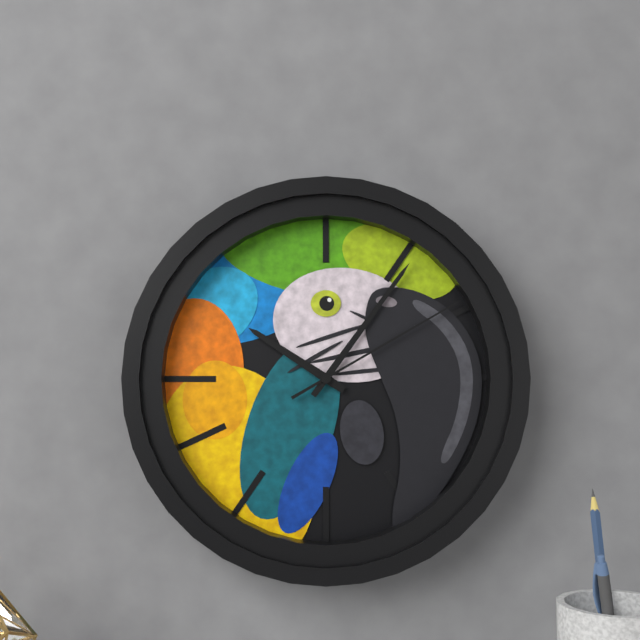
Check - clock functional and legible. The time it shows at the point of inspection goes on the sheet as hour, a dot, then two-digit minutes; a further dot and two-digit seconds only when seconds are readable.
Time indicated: 10.06.10
